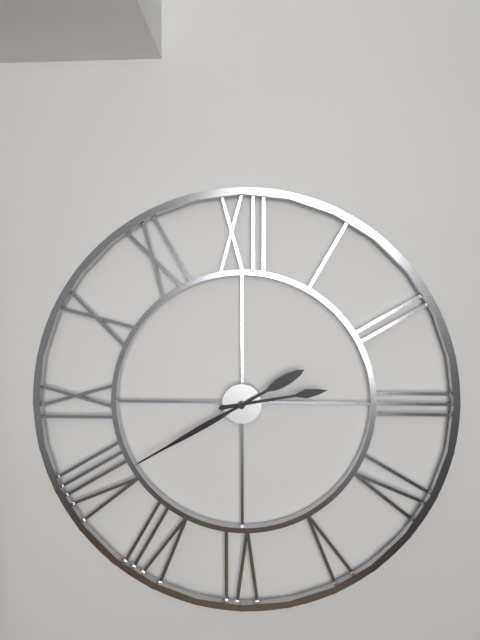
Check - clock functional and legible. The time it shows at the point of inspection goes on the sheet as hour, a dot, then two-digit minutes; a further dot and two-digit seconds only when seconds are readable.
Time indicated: 2.40
